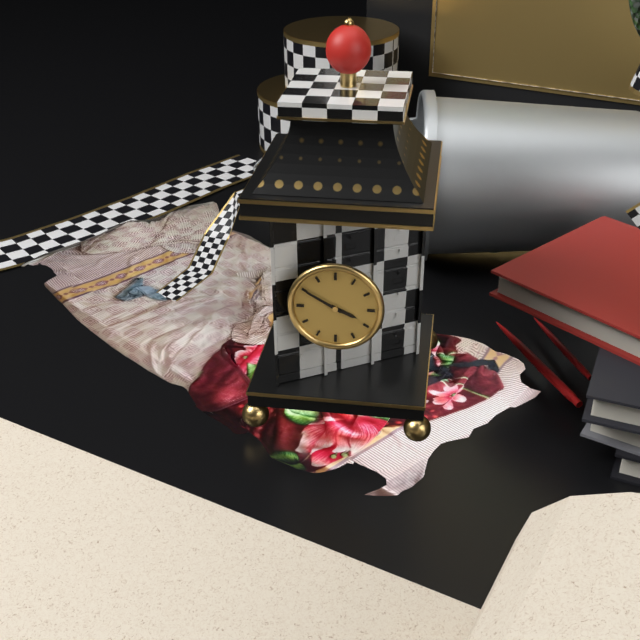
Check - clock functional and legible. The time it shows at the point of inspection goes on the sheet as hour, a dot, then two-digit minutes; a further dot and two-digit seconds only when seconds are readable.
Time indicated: 3.50
